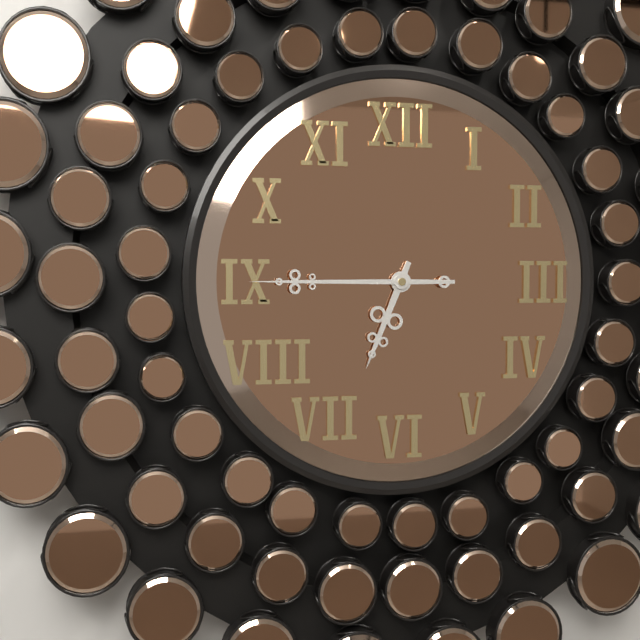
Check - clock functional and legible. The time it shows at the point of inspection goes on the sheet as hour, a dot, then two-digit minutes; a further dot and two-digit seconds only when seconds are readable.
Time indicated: 6.45
